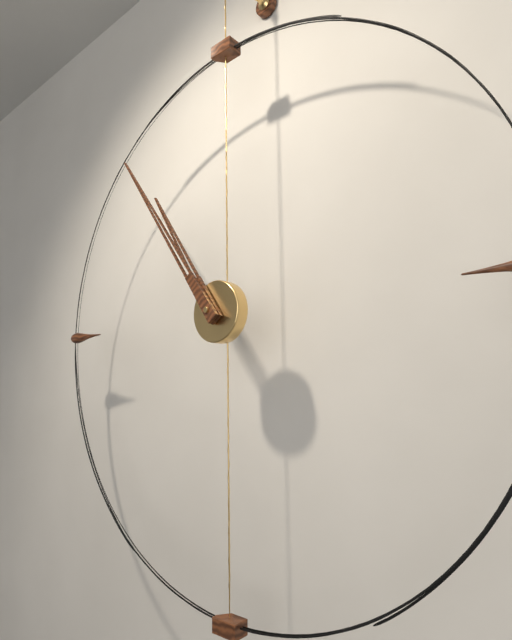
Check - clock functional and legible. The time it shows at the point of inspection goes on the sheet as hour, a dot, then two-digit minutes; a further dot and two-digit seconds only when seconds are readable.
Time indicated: 10.54
